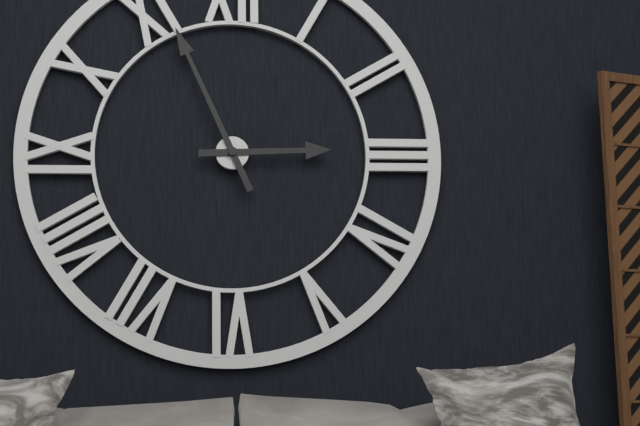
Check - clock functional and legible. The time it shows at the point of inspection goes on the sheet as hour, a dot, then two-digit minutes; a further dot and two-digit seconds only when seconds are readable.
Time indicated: 2.56
